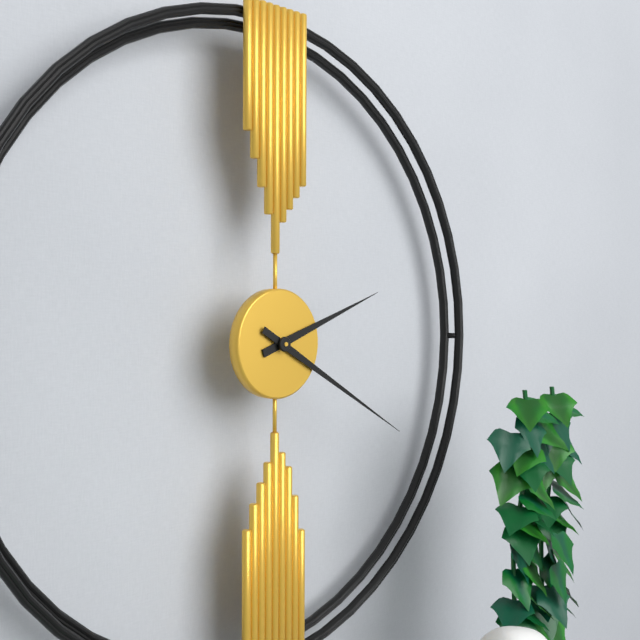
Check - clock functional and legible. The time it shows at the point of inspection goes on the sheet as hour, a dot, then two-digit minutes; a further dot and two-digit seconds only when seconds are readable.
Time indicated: 2.20
